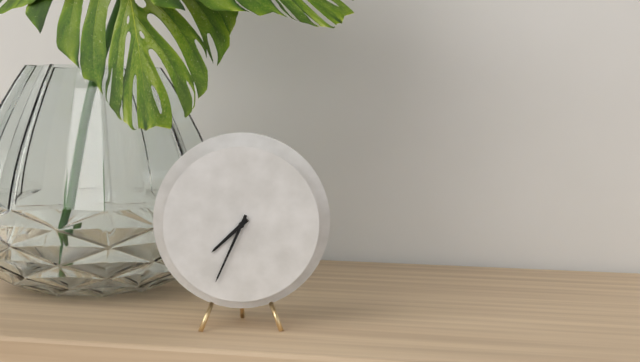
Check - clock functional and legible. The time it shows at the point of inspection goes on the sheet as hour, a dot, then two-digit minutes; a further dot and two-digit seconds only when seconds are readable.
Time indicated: 7.34
